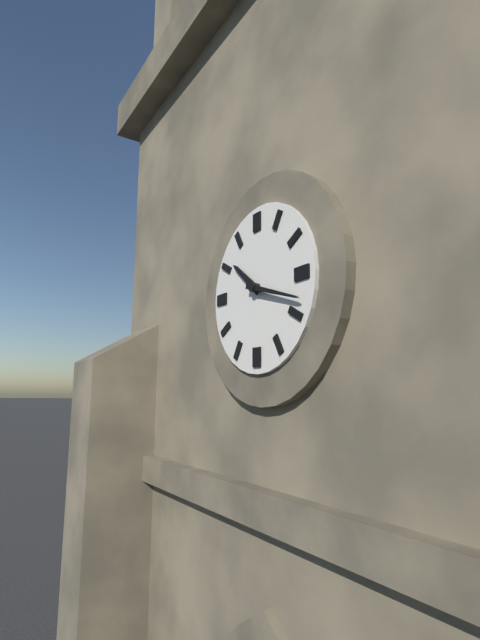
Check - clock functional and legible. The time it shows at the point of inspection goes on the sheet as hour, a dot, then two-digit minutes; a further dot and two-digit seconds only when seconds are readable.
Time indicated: 10.18
